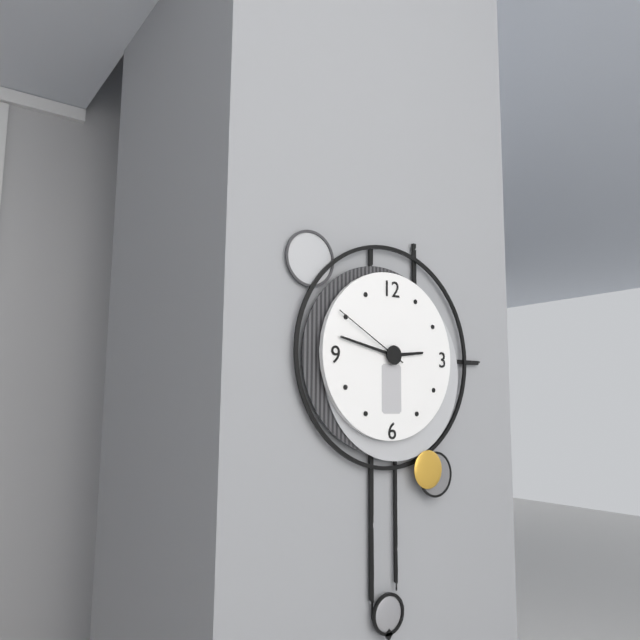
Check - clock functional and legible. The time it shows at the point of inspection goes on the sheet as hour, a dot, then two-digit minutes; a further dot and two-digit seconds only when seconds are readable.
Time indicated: 2.47.50
